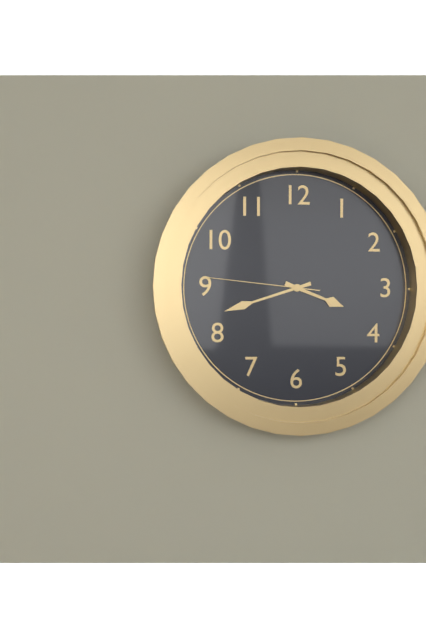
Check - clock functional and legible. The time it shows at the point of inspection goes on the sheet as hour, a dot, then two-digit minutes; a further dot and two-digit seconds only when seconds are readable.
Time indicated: 3.42.46
